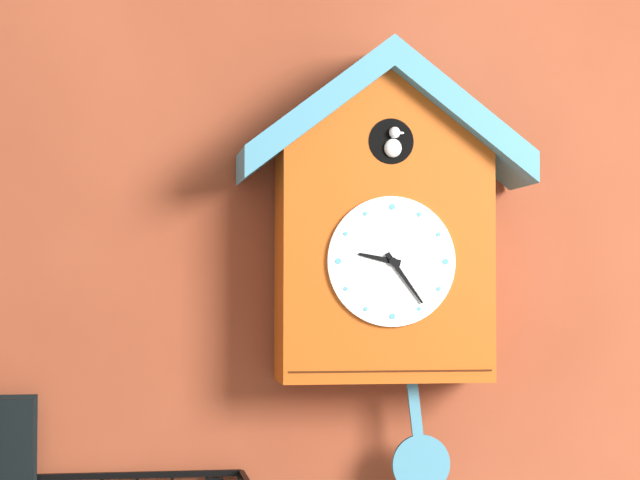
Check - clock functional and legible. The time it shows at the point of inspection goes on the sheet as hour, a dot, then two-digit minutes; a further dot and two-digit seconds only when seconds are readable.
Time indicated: 9.24
